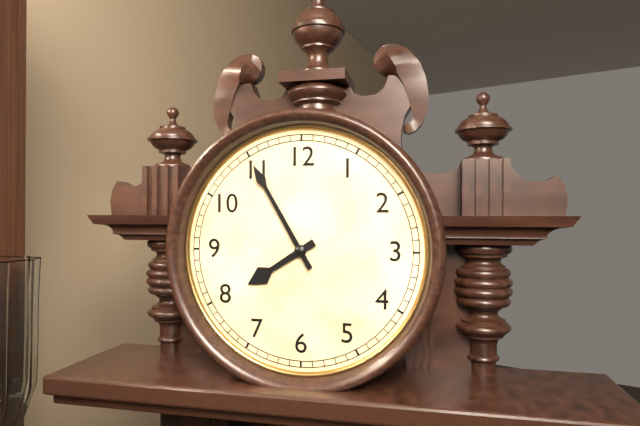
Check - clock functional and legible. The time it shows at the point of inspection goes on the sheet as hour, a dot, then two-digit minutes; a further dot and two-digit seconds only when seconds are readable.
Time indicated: 7.55
